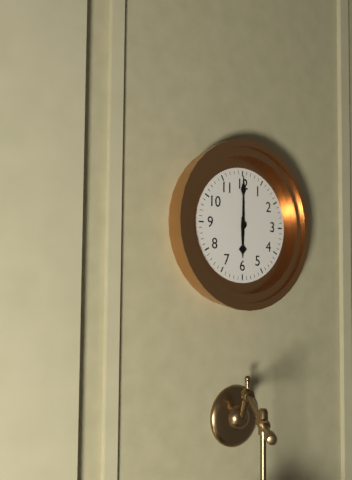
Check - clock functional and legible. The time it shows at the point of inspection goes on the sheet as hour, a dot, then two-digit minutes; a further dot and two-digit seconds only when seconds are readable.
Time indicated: 6.00
